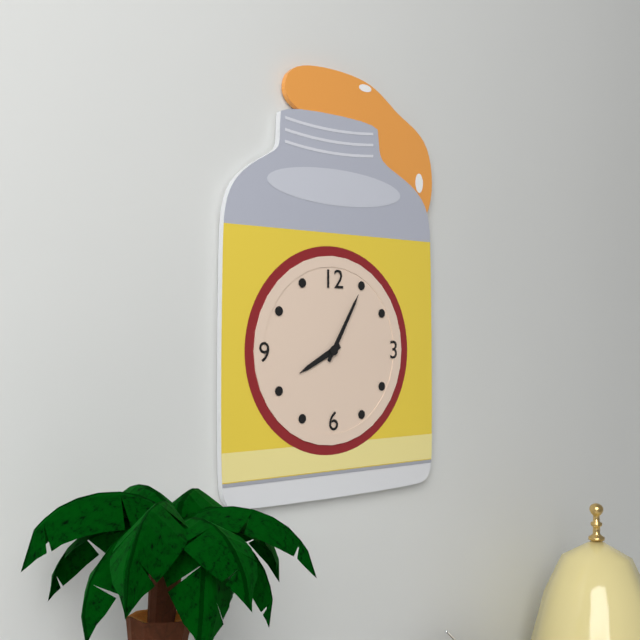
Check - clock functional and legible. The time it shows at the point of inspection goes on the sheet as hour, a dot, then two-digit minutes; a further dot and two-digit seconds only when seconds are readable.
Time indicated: 8.05
